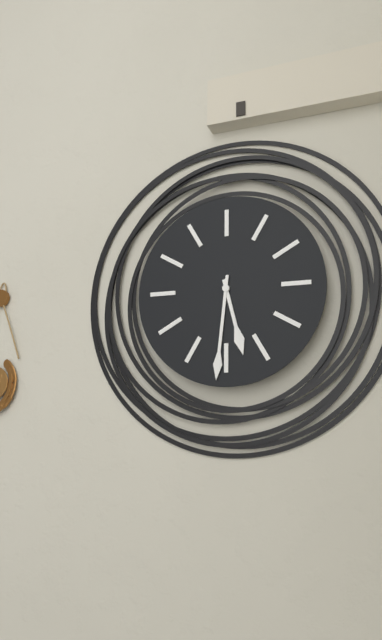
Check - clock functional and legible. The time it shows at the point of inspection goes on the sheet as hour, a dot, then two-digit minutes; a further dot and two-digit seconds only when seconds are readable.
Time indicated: 5.31
